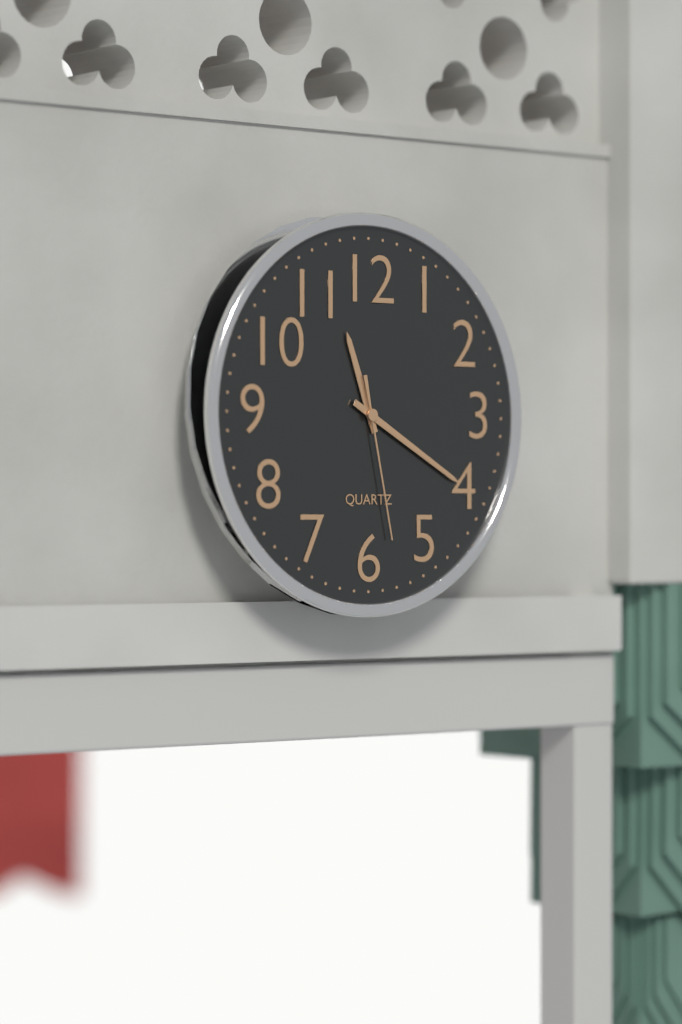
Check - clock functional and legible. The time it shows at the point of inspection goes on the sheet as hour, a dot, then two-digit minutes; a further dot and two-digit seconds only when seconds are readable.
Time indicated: 11.20.28
